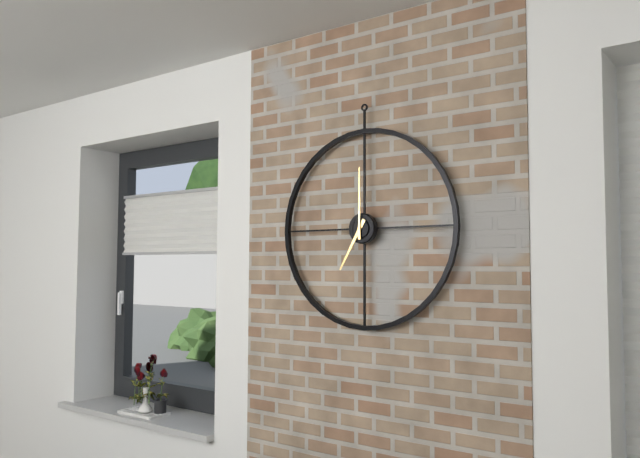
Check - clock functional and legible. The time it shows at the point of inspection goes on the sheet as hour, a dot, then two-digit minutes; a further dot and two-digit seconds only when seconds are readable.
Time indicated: 7.00
